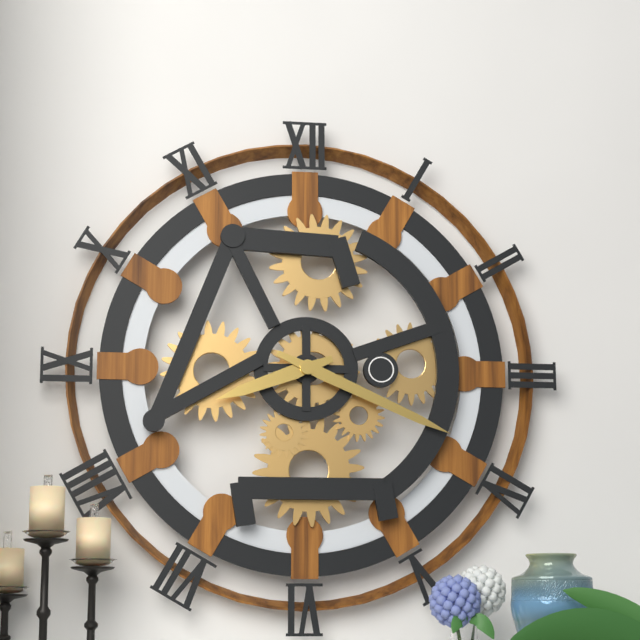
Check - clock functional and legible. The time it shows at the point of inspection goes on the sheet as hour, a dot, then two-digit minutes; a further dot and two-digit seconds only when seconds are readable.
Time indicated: 8.19
